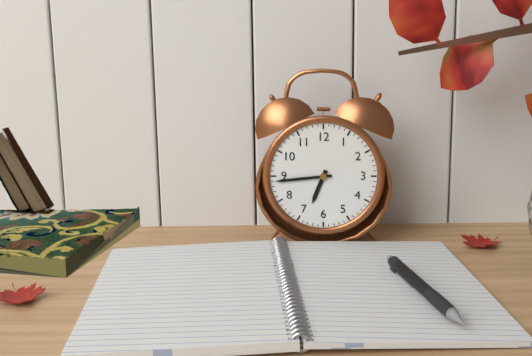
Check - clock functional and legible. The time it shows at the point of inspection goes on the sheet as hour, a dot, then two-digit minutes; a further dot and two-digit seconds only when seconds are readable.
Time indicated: 6.44
